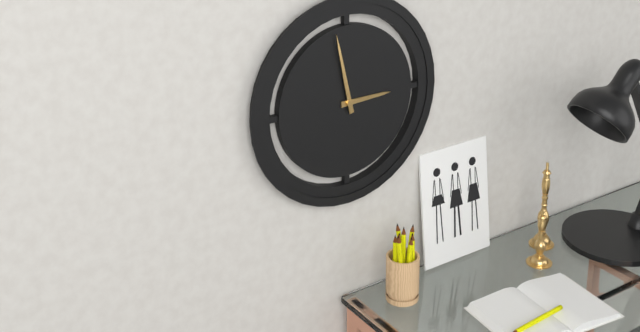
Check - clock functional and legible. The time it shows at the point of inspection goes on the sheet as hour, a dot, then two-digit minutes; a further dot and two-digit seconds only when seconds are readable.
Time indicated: 2.58
